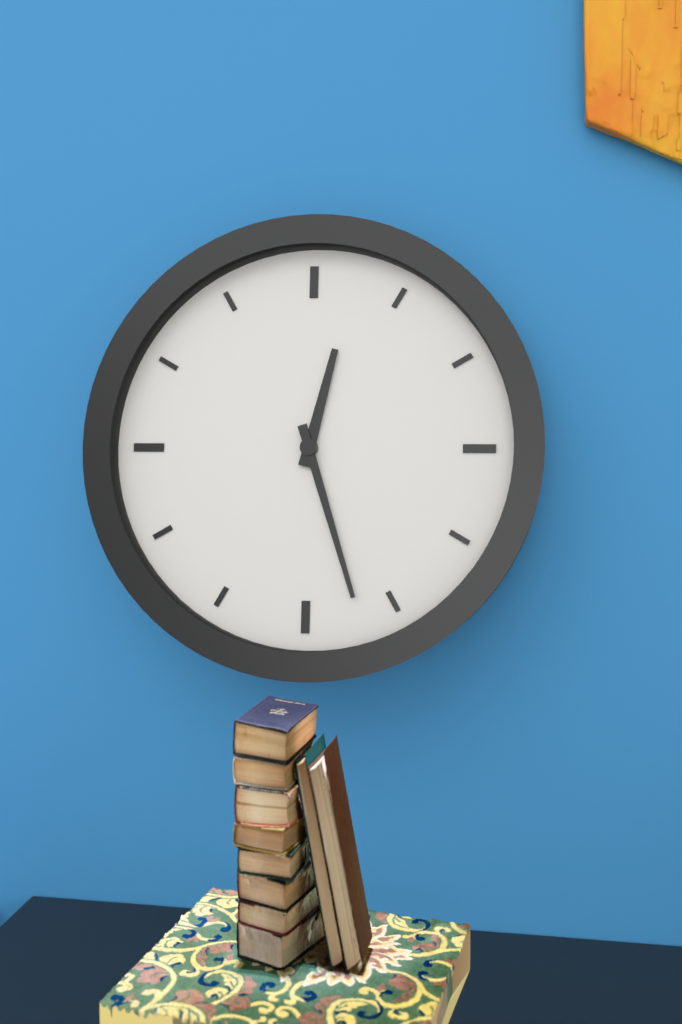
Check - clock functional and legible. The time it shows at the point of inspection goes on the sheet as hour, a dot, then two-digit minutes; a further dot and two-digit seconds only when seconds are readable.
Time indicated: 12.27
